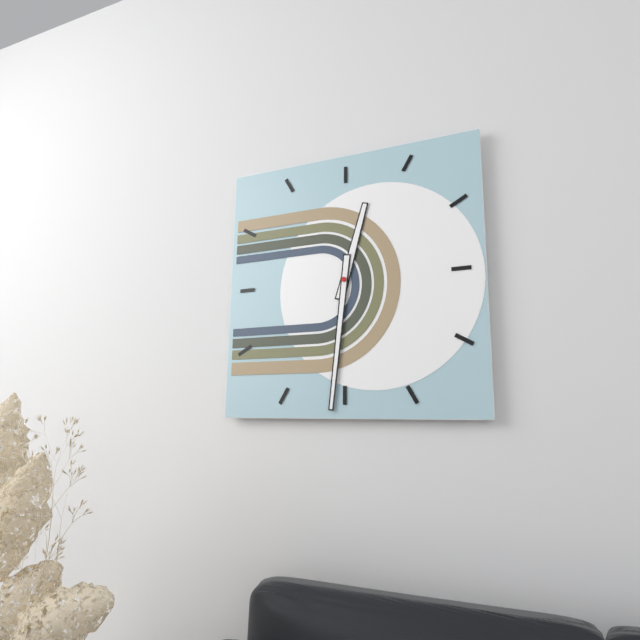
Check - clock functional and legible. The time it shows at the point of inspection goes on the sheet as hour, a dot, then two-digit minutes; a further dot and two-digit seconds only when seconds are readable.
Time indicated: 12.31
